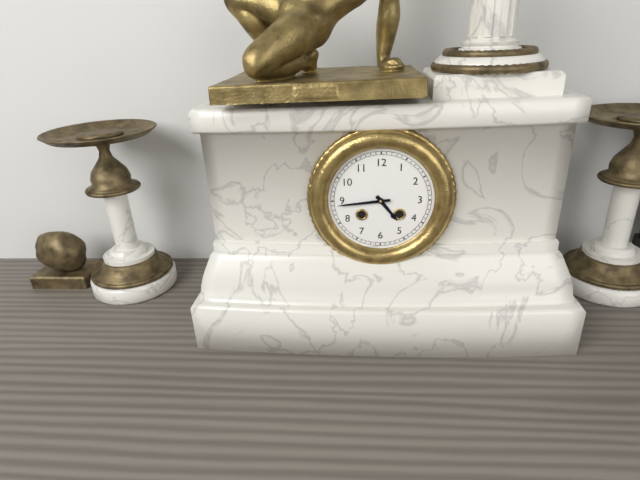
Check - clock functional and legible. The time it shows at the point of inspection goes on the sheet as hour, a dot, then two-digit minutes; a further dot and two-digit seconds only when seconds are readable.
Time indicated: 4.44
